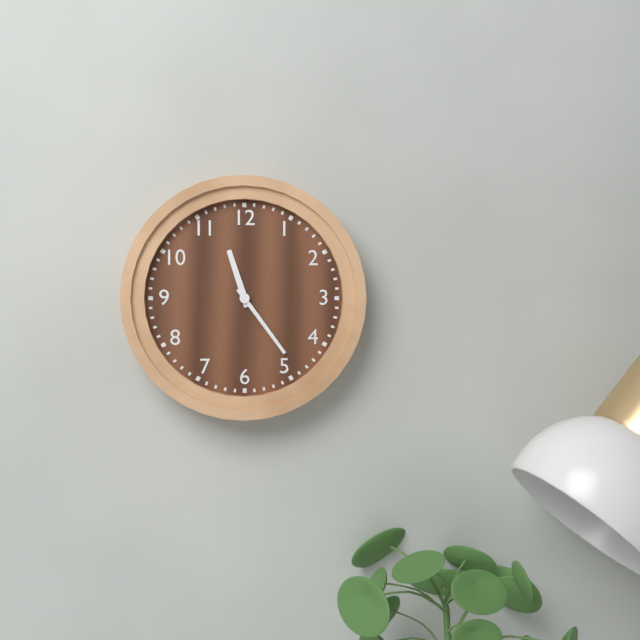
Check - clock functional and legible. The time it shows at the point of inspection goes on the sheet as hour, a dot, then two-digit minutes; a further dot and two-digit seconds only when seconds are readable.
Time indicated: 11.24
